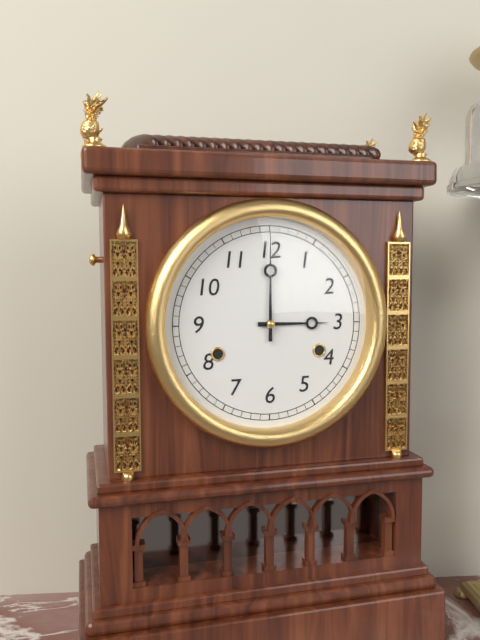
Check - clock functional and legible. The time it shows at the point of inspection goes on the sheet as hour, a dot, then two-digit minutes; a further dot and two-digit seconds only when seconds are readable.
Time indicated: 3.00
